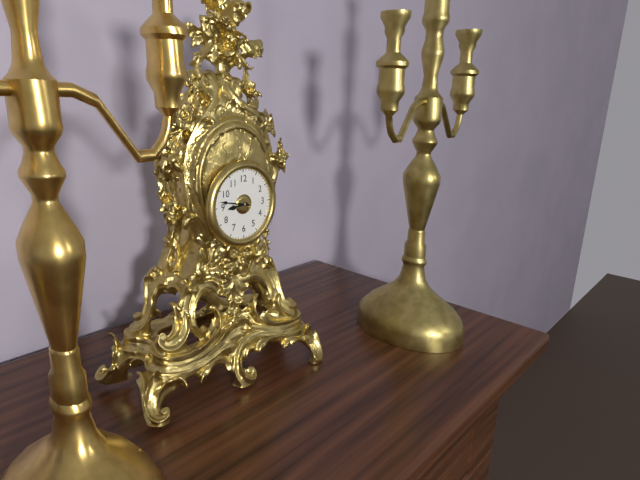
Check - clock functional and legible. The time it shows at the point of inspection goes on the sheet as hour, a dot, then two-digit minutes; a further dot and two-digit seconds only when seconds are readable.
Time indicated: 8.47
